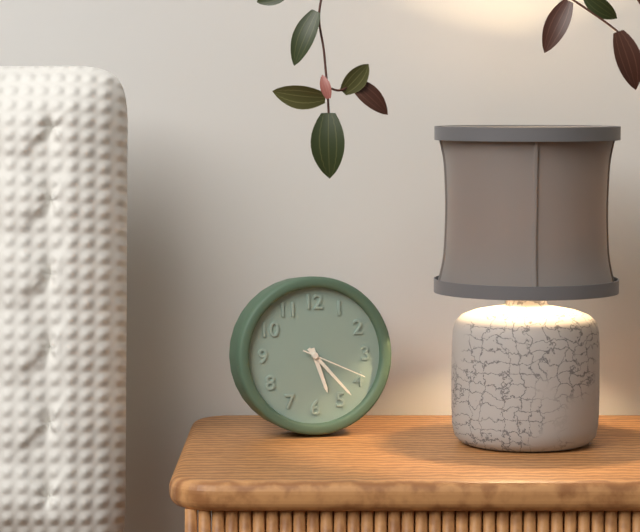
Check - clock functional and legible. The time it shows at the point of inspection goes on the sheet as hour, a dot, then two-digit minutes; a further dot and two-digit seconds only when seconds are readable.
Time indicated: 5.23.19
